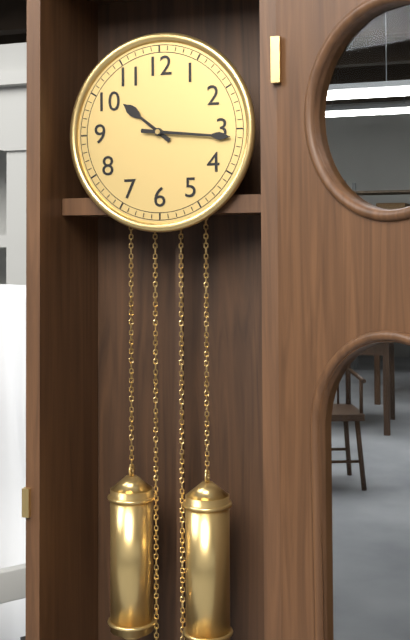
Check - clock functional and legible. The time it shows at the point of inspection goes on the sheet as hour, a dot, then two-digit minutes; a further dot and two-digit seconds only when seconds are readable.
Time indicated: 10.16
